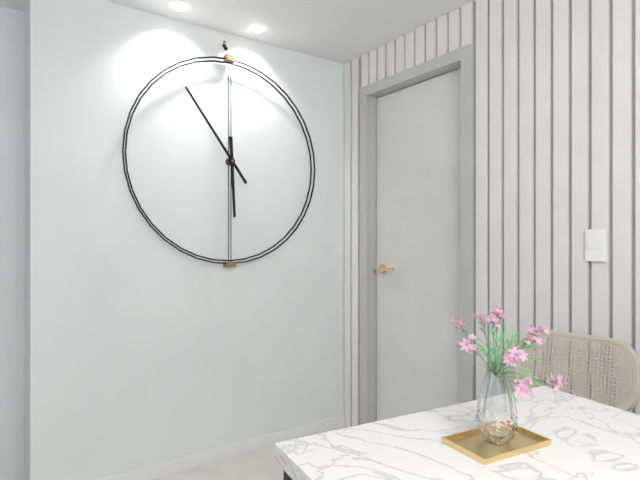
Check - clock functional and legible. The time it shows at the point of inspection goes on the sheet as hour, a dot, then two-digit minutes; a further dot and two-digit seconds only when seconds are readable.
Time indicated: 5.54
